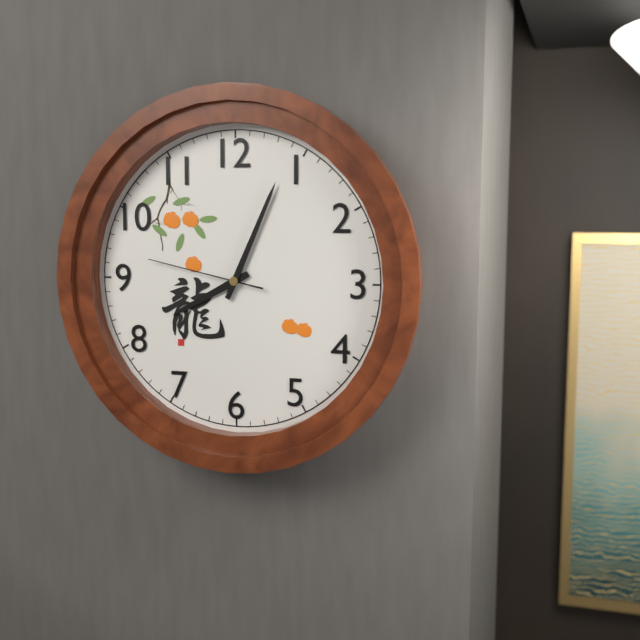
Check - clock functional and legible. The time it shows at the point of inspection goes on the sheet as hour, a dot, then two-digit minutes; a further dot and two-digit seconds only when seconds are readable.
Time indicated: 8.04.47
